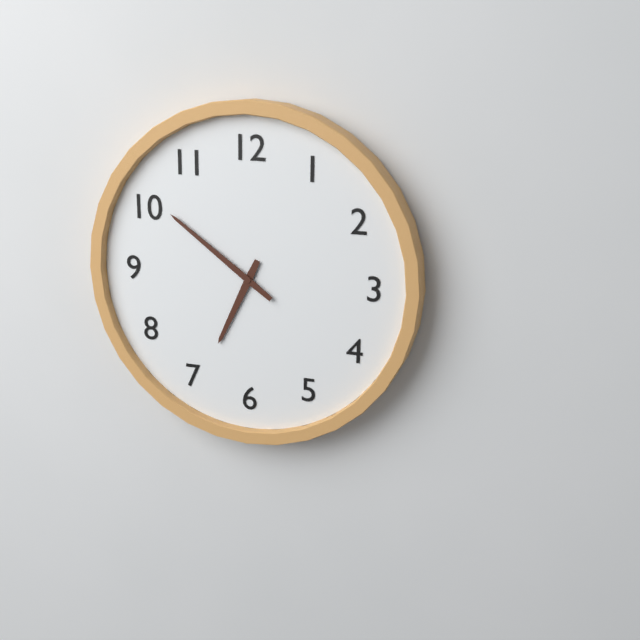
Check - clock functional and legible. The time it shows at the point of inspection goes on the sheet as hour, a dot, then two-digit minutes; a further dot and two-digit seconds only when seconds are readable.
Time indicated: 6.51
